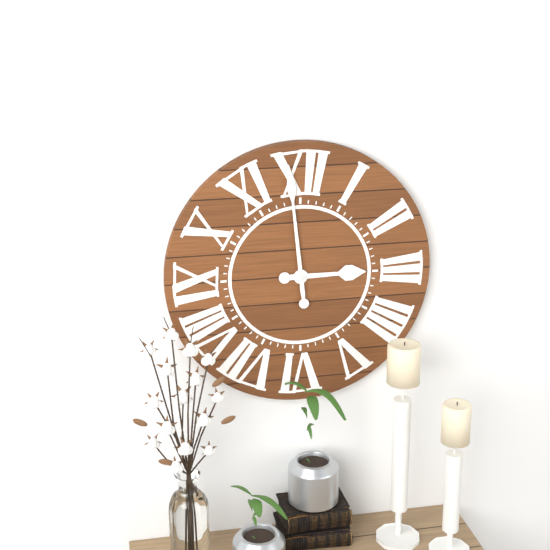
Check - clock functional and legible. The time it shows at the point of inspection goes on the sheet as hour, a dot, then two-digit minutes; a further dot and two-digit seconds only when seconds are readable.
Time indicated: 2.59
